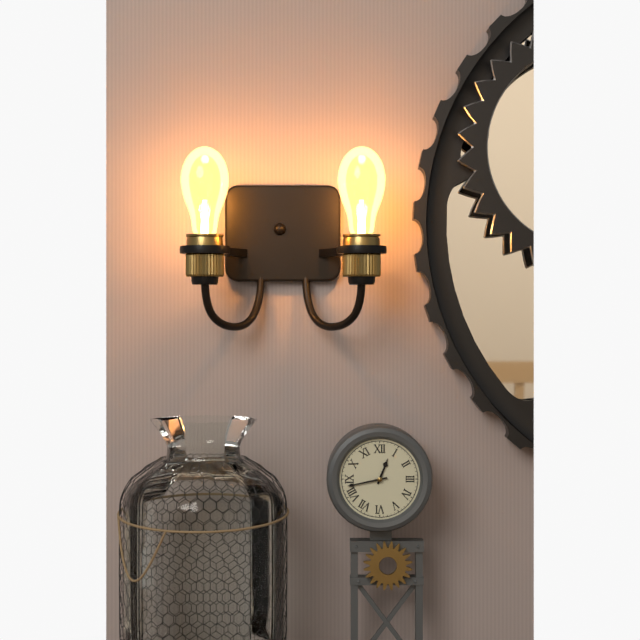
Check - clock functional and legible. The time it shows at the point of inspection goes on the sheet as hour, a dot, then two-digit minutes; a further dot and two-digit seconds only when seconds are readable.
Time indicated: 12.43
